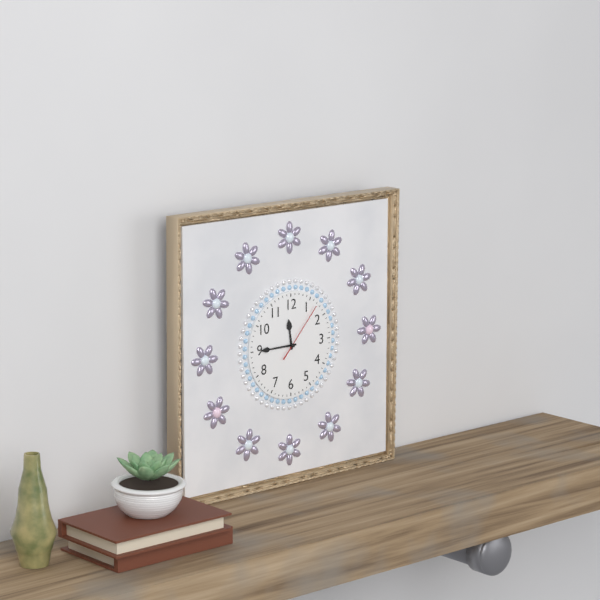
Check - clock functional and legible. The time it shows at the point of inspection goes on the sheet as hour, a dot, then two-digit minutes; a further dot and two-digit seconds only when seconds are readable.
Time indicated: 11.45.07
